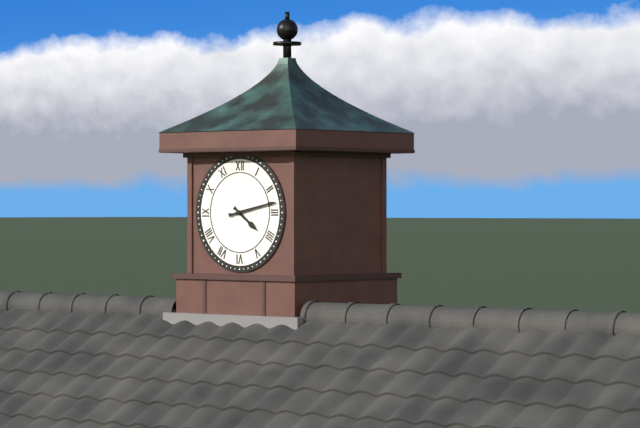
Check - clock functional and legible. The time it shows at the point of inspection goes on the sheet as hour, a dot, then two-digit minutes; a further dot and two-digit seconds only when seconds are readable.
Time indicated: 4.13
